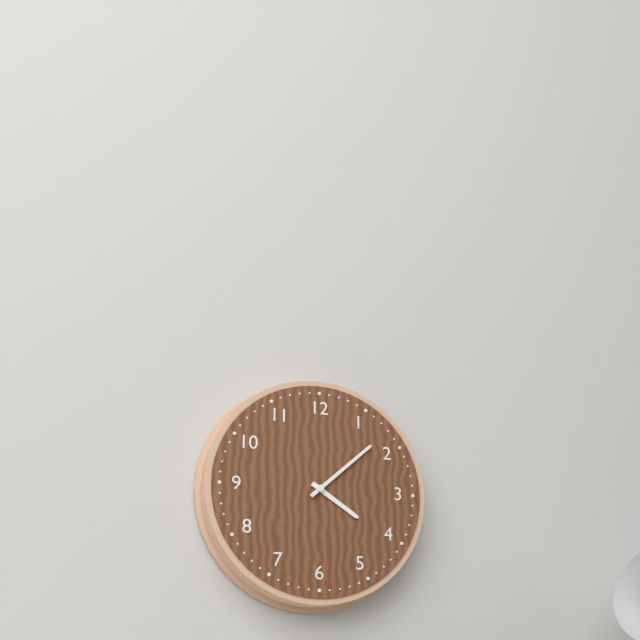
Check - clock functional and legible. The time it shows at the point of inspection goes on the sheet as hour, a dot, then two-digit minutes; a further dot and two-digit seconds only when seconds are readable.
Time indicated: 4.08
